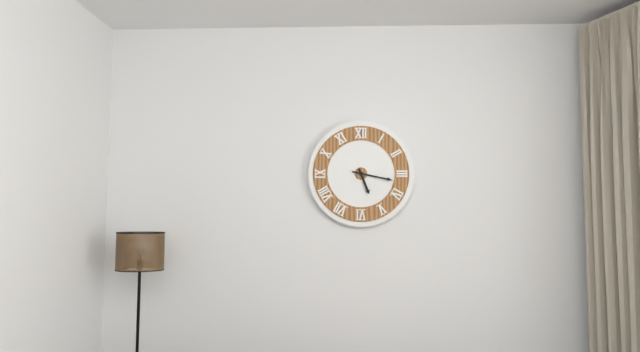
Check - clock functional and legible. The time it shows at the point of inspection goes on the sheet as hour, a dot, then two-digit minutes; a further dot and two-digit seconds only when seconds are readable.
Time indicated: 5.17
